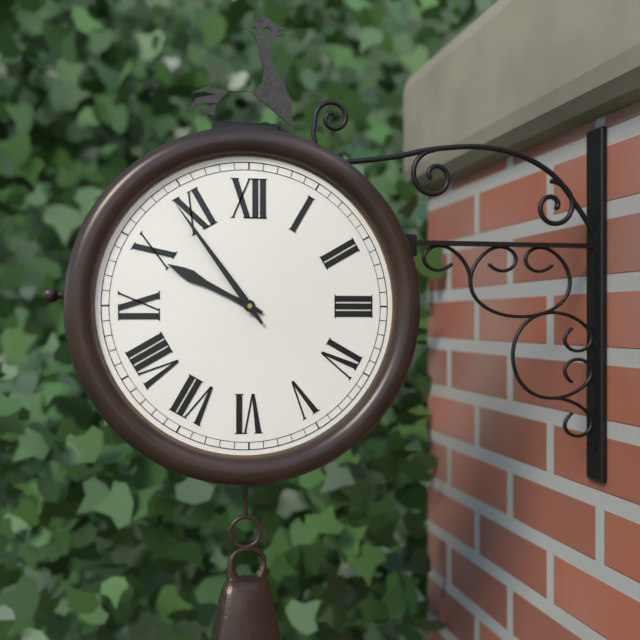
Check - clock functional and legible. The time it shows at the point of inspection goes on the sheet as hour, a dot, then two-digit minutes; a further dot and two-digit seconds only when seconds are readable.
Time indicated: 9.54
